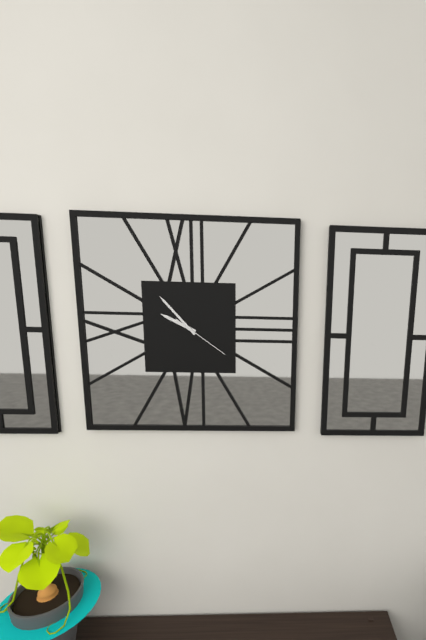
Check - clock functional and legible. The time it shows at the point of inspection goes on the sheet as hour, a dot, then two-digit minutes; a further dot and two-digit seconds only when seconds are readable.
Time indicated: 9.53.21
